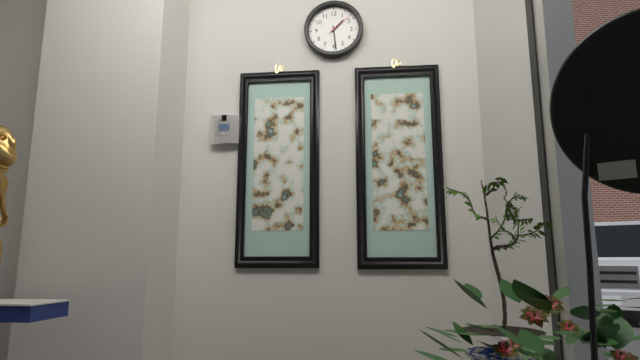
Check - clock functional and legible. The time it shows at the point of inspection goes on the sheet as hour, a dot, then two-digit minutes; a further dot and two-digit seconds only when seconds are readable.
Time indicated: 1.29
